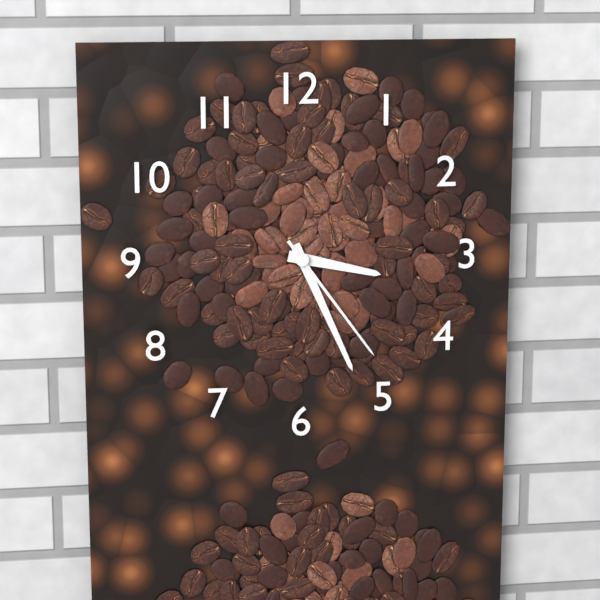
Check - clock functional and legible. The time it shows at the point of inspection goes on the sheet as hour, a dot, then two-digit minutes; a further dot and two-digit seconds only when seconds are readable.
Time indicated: 3.26.24
